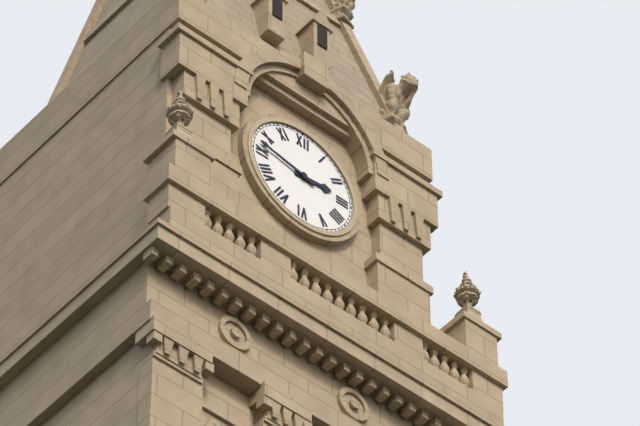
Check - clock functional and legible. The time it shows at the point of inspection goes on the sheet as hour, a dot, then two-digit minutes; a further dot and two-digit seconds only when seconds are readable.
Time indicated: 2.47
